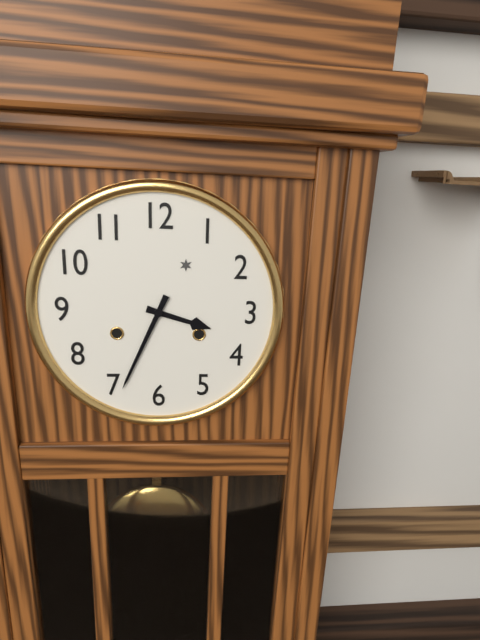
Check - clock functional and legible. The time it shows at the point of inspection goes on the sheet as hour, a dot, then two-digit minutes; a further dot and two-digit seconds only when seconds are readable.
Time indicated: 3.34
